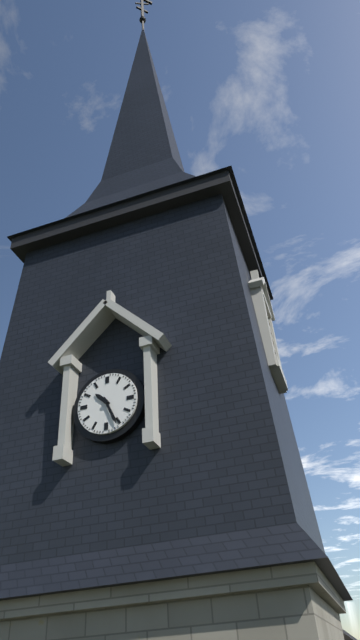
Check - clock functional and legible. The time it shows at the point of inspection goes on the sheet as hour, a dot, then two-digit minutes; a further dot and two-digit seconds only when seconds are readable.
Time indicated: 10.26
